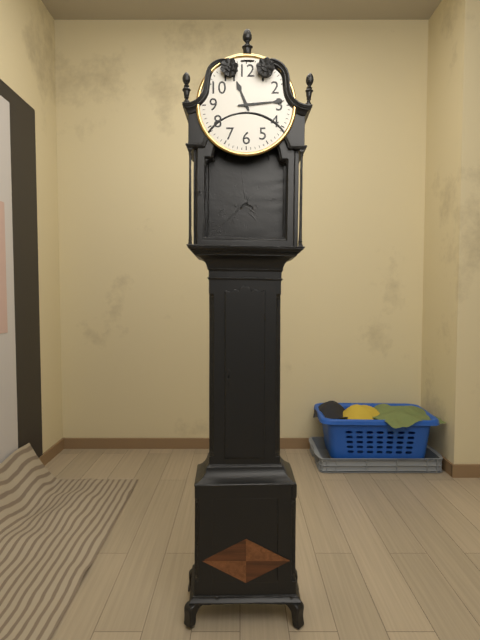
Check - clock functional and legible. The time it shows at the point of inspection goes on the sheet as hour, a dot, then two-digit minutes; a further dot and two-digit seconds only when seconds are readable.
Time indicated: 11.14
